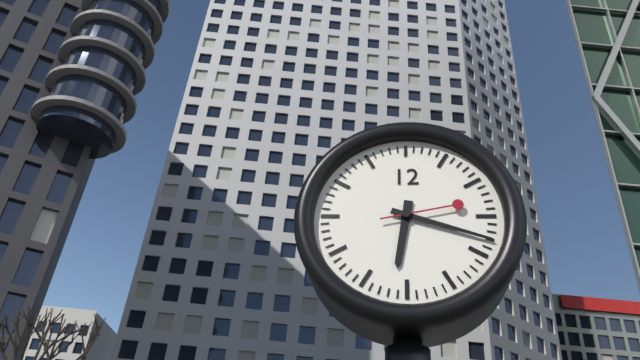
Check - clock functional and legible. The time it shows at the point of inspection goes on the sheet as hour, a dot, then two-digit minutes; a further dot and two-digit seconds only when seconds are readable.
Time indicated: 6.18.13
